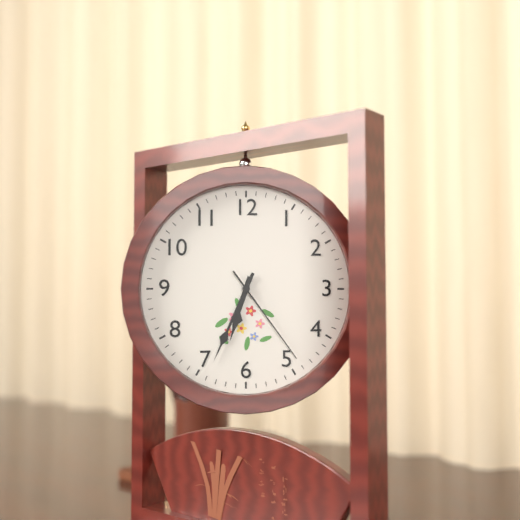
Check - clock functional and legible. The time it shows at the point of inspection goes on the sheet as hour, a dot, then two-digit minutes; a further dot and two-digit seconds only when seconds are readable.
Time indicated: 6.34.24
